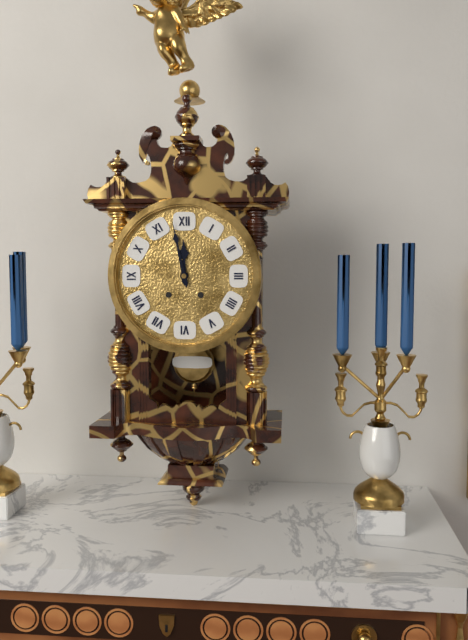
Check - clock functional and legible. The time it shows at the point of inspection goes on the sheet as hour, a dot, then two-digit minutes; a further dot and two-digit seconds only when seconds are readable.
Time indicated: 11.58
